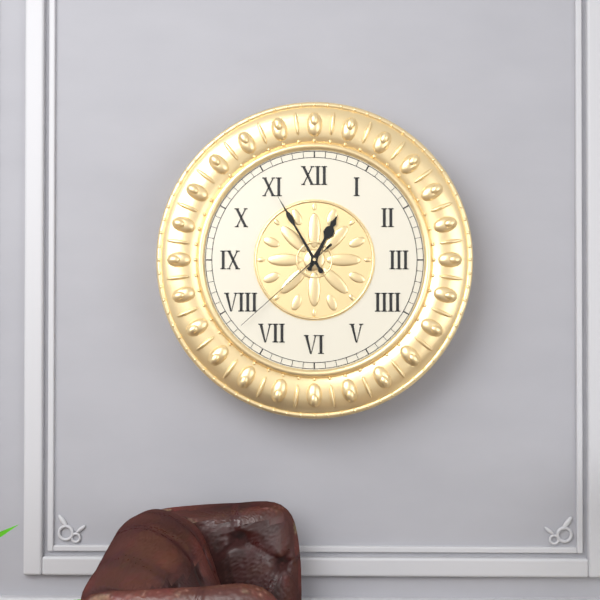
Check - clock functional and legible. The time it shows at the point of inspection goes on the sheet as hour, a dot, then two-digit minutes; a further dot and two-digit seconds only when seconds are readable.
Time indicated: 12.55.38
